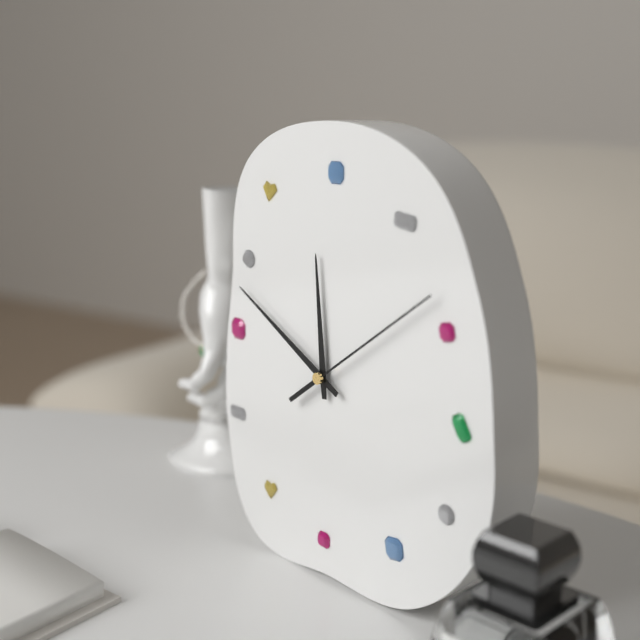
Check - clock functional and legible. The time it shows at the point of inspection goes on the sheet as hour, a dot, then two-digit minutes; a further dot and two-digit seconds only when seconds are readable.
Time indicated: 11.50.09
